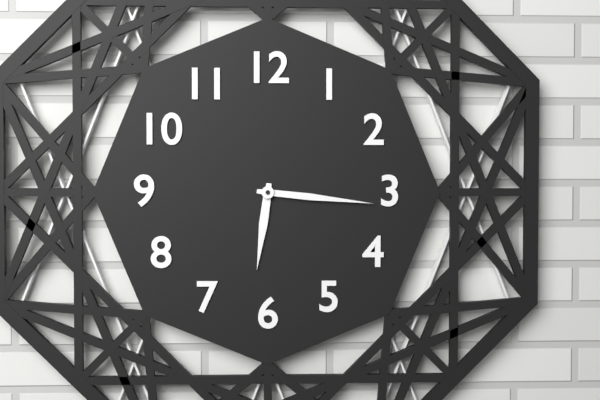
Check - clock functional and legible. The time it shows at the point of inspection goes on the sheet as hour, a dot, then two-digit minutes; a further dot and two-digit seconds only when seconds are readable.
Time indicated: 6.16
